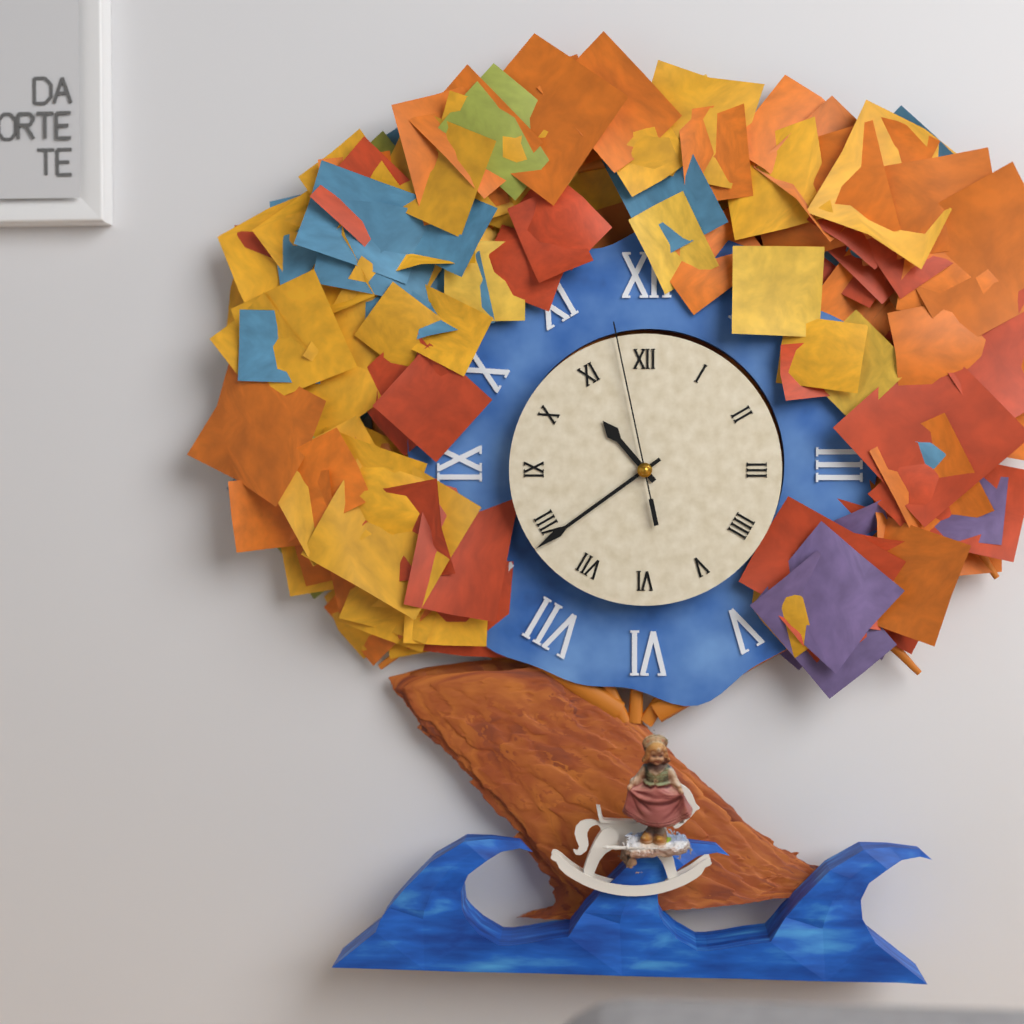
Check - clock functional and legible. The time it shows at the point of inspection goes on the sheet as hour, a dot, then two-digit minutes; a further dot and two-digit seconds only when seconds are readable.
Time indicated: 10.39.58
